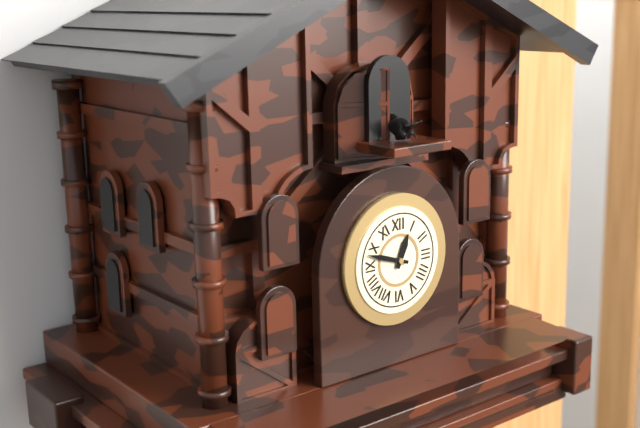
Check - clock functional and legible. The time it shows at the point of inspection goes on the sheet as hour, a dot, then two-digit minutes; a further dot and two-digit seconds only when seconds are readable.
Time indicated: 12.48
